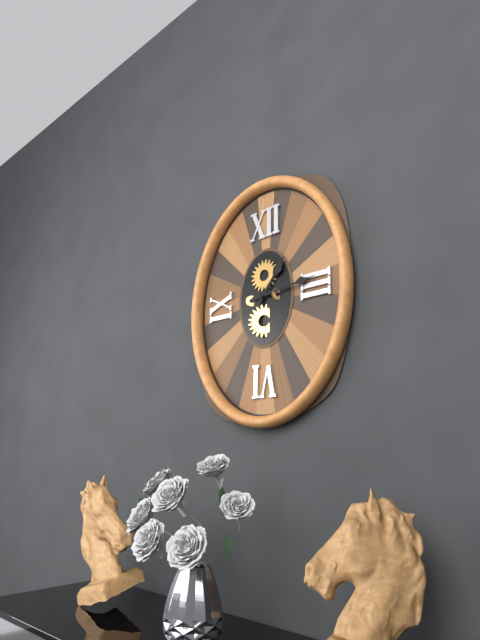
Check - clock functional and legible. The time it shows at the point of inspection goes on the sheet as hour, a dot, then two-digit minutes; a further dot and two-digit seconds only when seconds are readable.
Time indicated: 1.14
